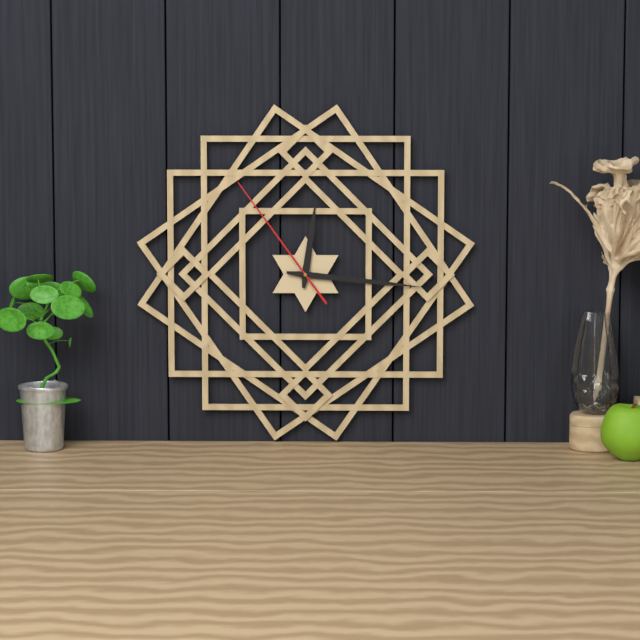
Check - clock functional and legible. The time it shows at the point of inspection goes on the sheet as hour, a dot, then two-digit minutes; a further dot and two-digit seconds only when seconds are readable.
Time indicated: 12.16.54
